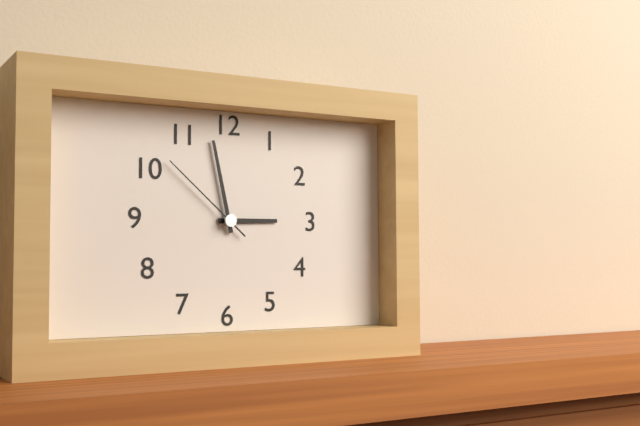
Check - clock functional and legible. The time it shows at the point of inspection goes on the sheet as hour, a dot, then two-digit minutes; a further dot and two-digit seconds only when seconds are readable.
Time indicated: 2.58.52
